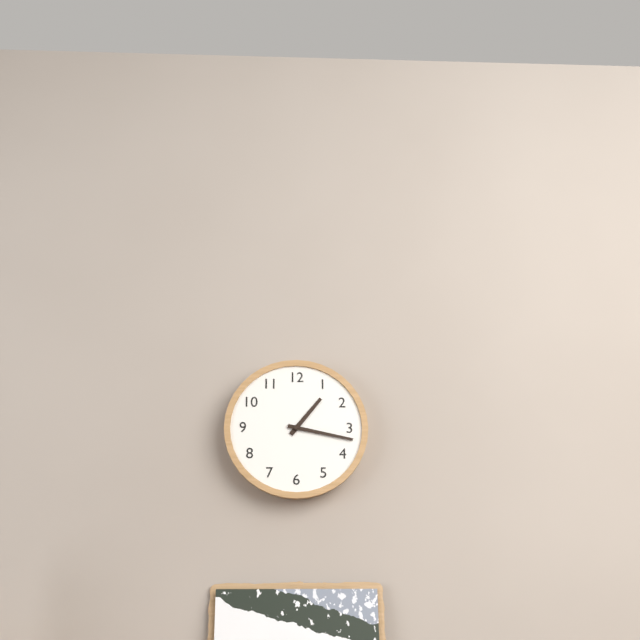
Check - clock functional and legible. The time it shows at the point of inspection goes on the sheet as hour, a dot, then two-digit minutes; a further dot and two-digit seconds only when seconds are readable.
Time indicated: 1.17
